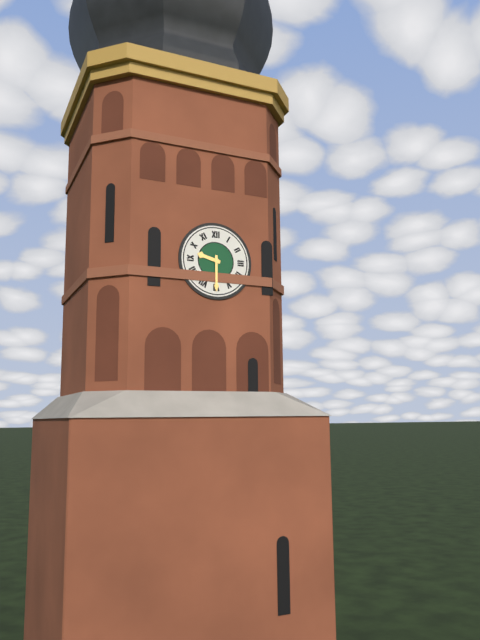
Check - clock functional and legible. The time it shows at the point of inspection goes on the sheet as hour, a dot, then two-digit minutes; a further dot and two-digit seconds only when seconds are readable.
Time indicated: 9.30
